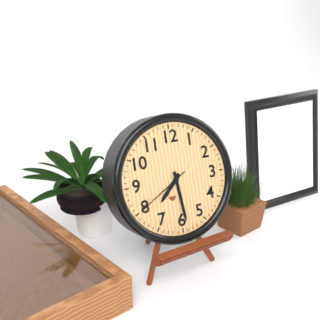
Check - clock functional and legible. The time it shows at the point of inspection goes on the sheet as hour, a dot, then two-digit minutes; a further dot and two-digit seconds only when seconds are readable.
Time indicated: 7.29.40
